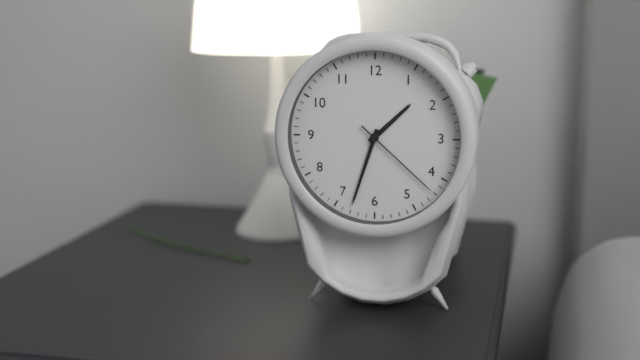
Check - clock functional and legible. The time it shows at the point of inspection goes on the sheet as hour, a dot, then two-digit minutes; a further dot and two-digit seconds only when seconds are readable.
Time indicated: 1.33.22
